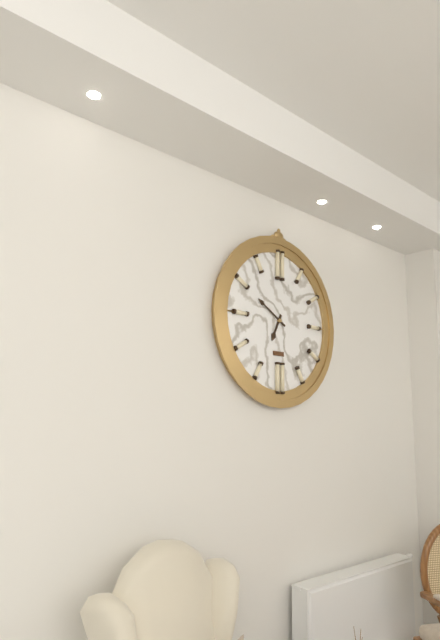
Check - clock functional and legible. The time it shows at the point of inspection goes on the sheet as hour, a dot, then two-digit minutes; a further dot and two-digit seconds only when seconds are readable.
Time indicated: 6.50
